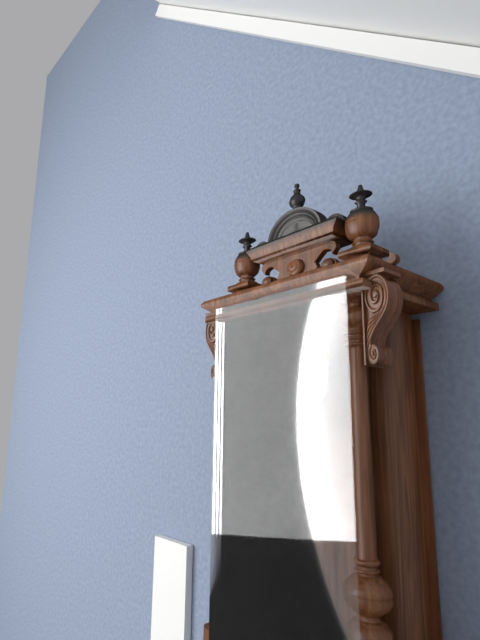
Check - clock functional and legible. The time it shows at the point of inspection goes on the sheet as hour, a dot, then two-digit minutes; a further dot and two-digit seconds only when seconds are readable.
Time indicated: 6.32
